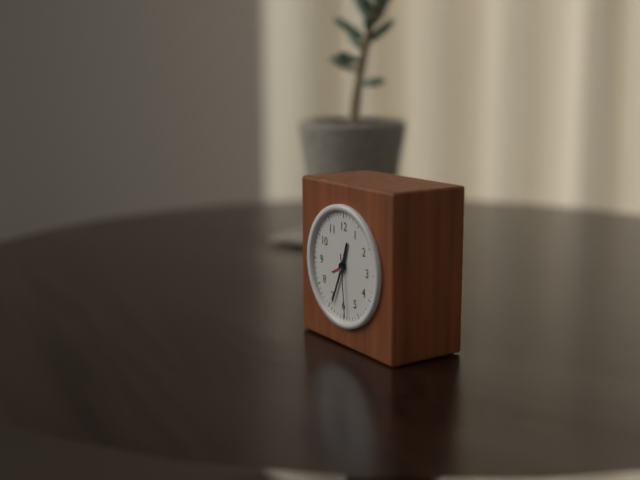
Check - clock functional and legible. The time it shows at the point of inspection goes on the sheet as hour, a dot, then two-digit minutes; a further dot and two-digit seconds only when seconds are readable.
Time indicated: 12.34.29
